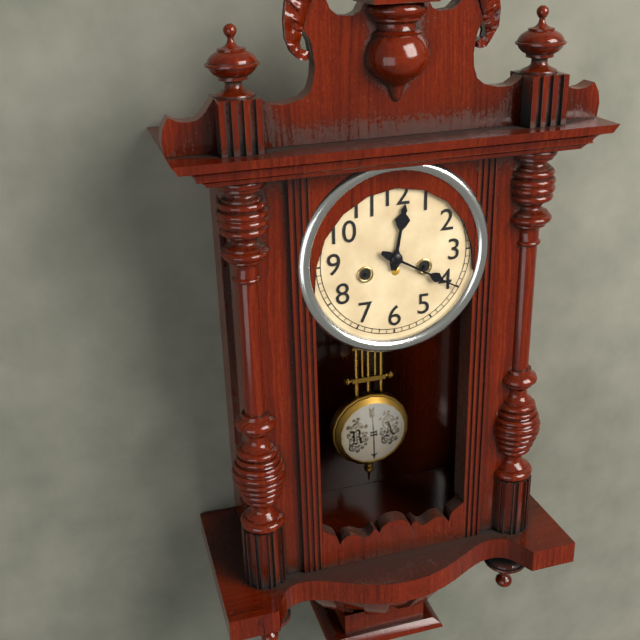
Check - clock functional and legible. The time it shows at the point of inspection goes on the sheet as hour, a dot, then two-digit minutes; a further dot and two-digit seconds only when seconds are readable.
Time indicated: 12.20
